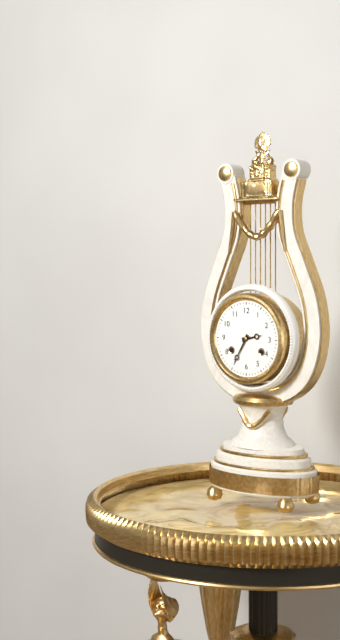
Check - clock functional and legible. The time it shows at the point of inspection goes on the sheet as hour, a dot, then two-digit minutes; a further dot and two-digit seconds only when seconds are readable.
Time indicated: 2.35
